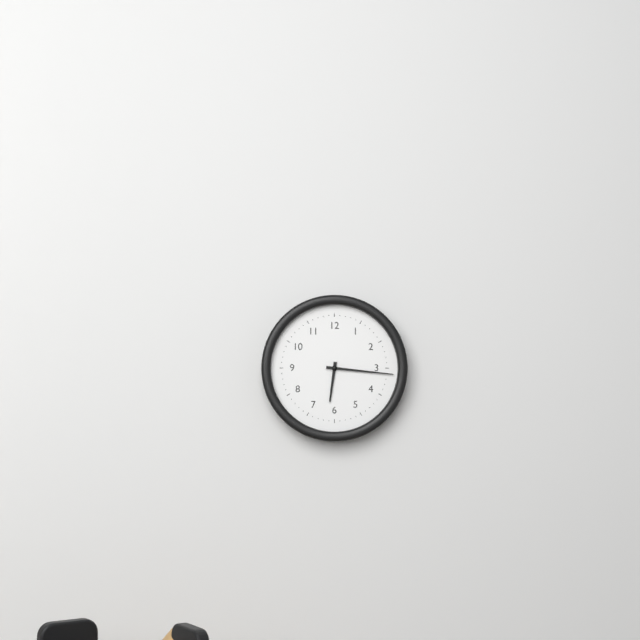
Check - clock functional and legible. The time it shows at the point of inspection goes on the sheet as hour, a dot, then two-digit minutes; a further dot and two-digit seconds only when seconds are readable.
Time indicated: 6.16
